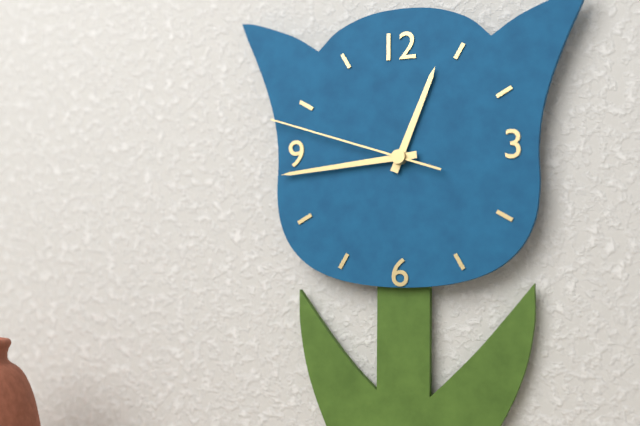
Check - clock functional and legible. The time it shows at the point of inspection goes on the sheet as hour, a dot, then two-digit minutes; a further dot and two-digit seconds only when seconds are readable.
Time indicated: 12.44.48
